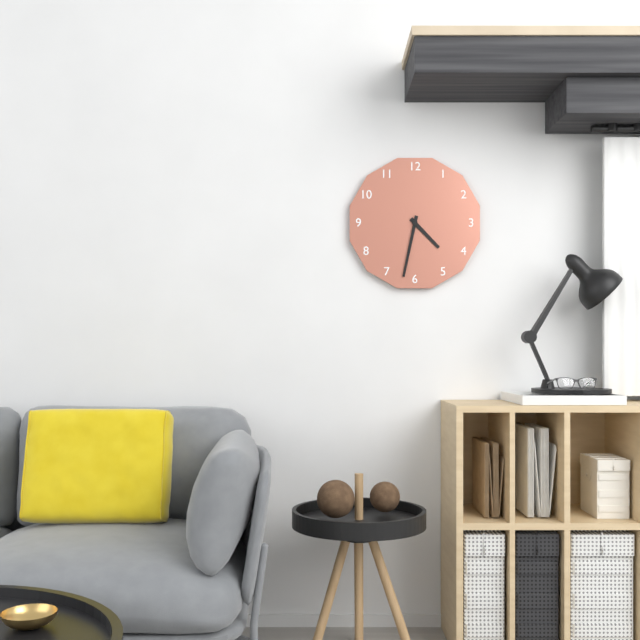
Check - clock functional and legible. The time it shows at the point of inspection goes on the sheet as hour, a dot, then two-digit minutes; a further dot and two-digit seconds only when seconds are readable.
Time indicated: 4.32
